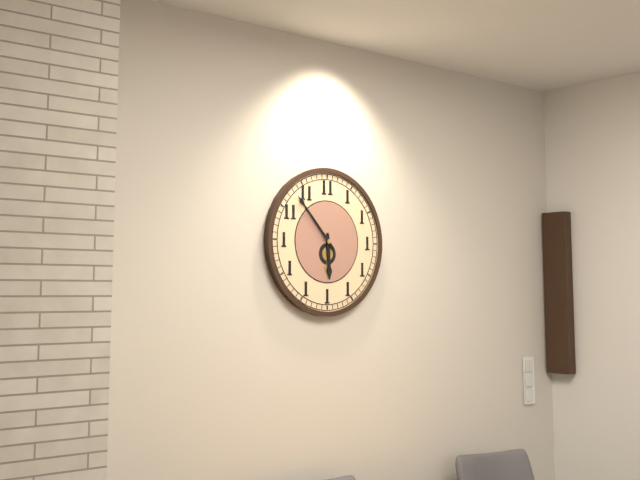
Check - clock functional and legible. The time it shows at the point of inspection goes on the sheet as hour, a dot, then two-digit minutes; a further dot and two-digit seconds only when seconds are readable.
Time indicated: 5.53
